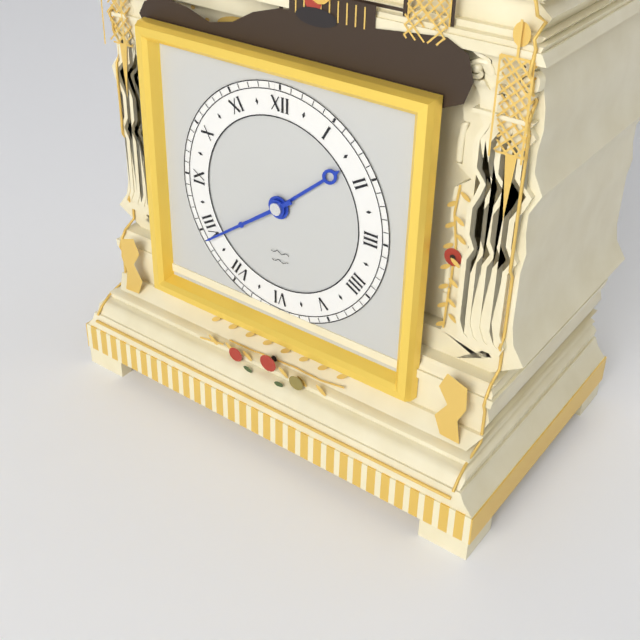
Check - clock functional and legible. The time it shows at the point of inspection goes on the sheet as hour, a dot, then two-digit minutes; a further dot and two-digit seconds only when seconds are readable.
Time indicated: 1.39
